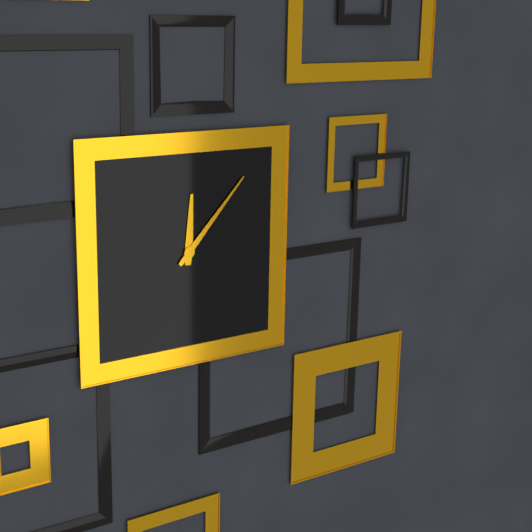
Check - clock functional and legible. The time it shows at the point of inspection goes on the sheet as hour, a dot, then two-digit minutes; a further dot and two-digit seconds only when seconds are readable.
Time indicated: 12.07
